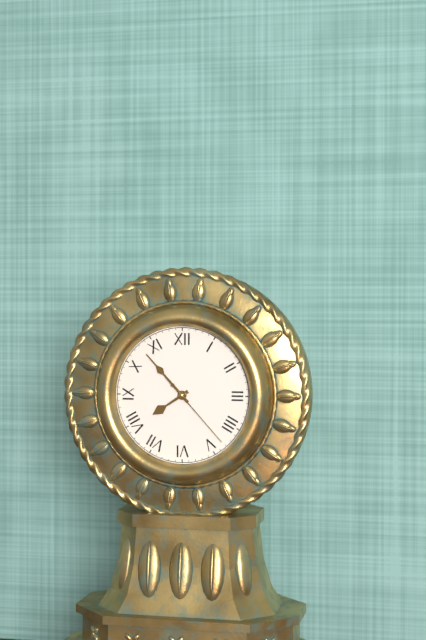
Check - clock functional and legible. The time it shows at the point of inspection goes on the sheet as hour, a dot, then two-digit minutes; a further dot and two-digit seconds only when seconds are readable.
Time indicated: 7.53.23
